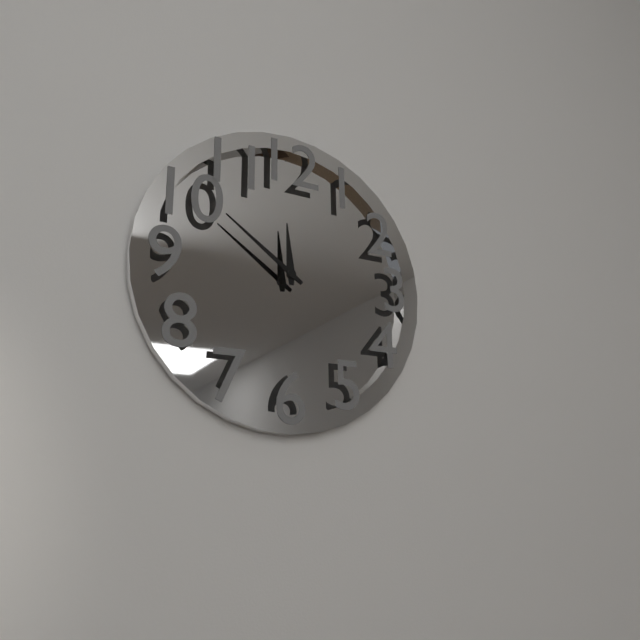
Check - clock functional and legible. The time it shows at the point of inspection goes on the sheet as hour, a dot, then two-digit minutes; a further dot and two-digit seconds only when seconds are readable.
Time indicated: 11.51
